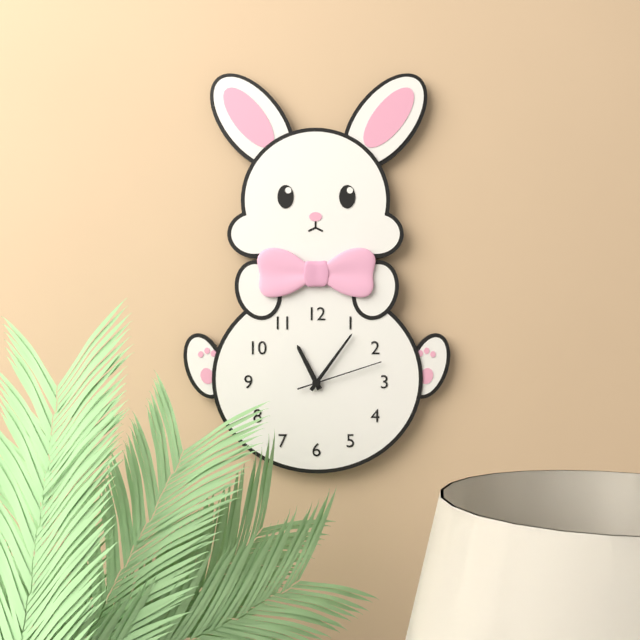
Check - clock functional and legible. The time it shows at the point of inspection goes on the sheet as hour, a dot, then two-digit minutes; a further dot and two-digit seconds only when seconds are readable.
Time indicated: 11.06.12
